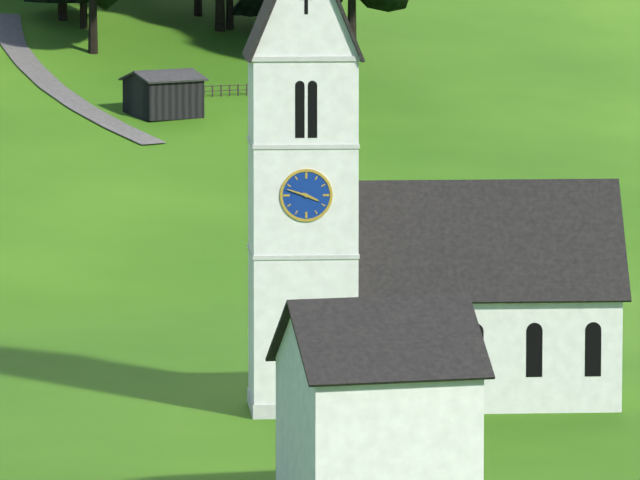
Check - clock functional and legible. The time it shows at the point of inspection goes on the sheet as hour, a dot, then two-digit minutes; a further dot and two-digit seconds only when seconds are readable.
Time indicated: 3.48
